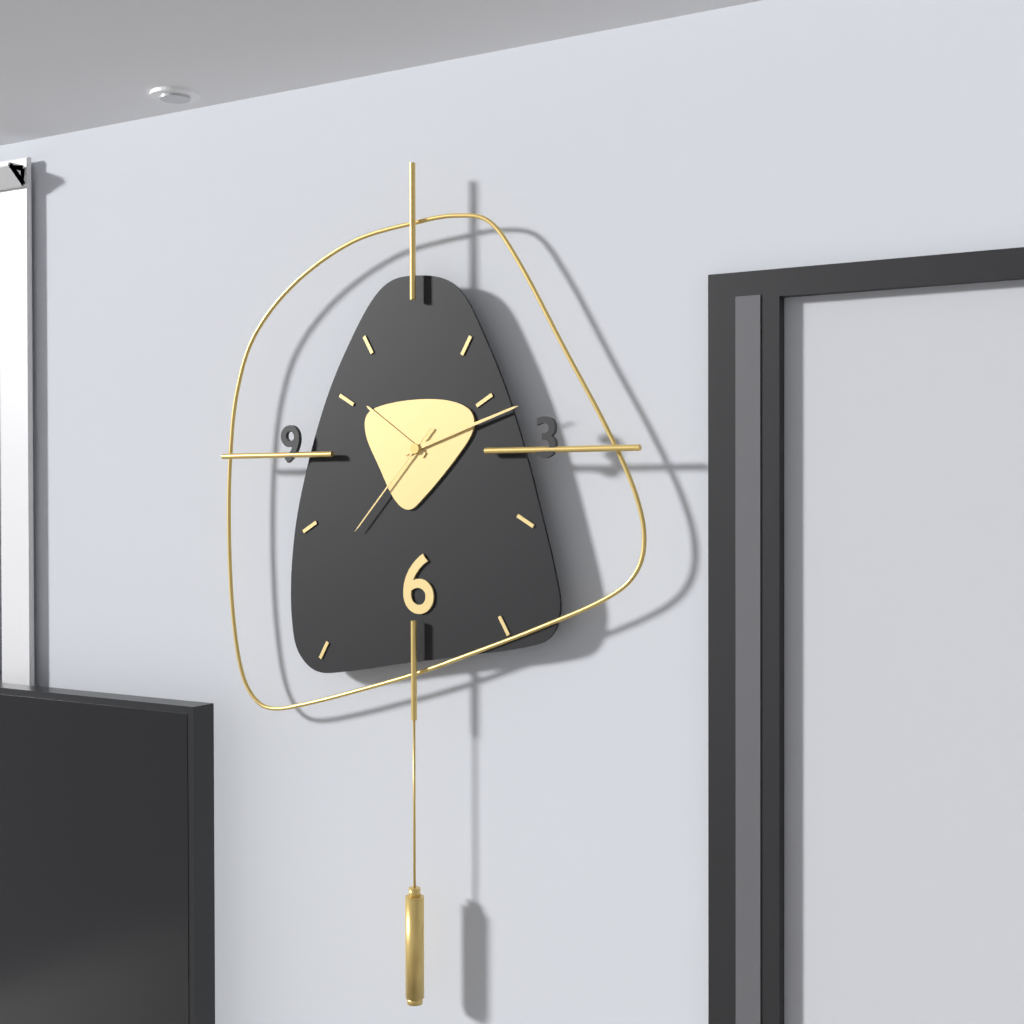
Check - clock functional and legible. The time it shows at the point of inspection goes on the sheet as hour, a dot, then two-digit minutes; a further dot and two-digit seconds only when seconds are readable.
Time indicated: 10.12.37
